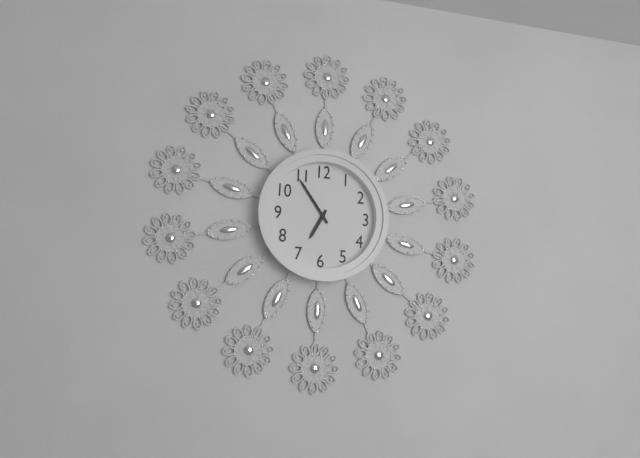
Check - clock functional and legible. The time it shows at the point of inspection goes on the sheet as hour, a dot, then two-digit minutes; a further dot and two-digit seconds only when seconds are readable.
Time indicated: 6.54
